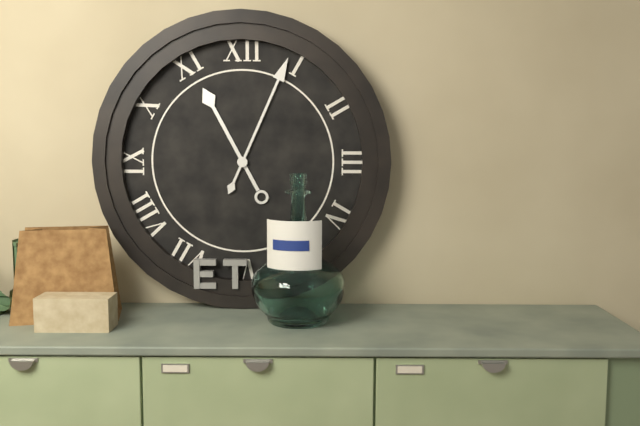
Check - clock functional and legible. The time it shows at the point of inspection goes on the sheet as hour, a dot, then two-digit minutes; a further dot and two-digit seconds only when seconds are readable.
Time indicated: 11.04
